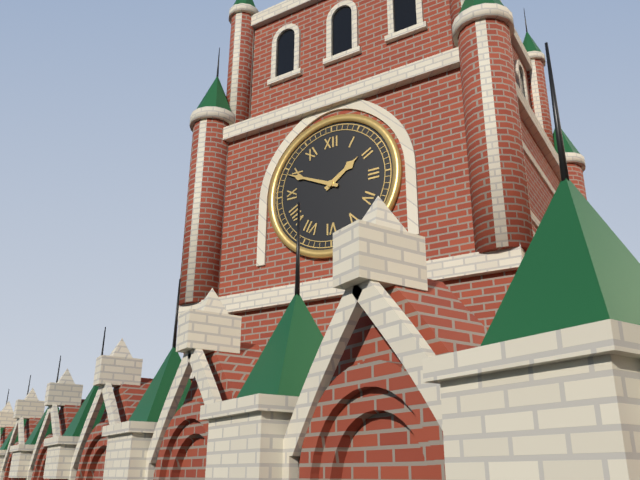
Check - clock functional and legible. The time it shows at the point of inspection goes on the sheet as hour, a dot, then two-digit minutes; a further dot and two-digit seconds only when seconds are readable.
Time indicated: 1.49
